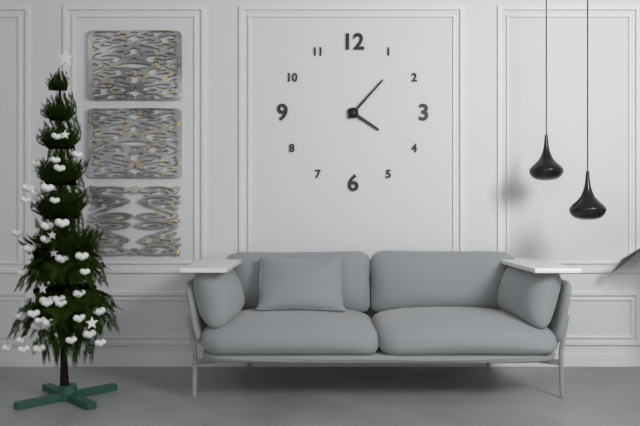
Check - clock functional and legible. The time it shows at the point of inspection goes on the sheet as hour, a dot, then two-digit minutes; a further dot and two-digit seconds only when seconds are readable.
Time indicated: 4.07
